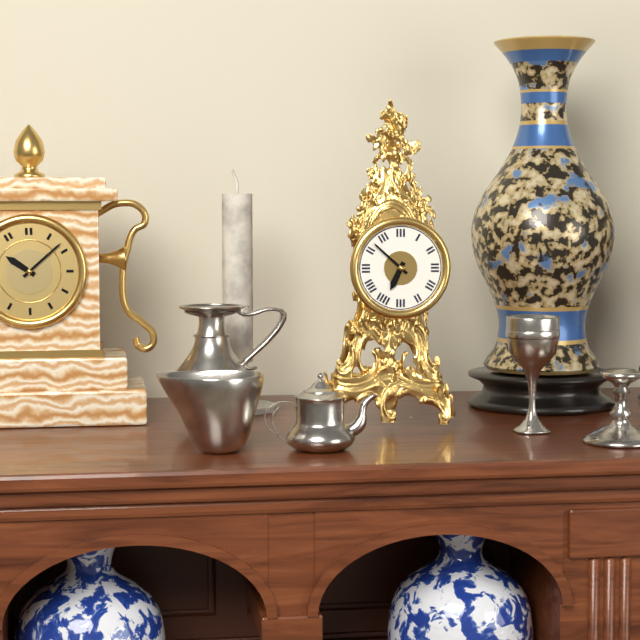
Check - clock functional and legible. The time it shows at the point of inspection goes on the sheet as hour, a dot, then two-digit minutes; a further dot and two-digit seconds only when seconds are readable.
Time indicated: 6.52
